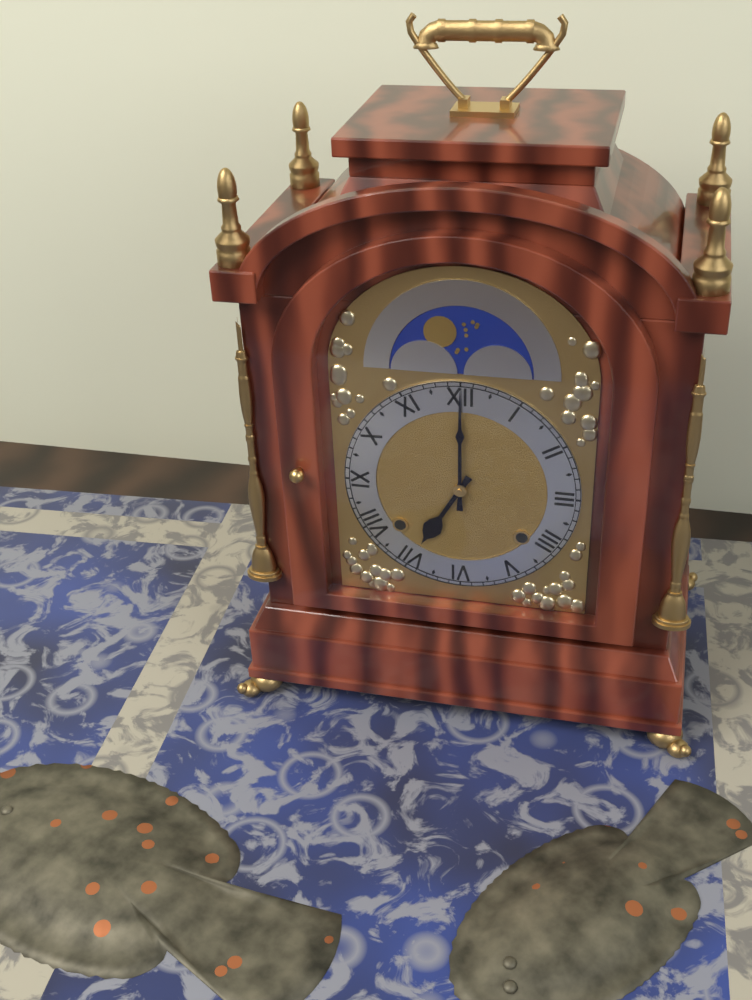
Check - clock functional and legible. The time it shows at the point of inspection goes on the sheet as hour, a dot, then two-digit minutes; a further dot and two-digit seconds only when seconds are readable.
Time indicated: 7.00
